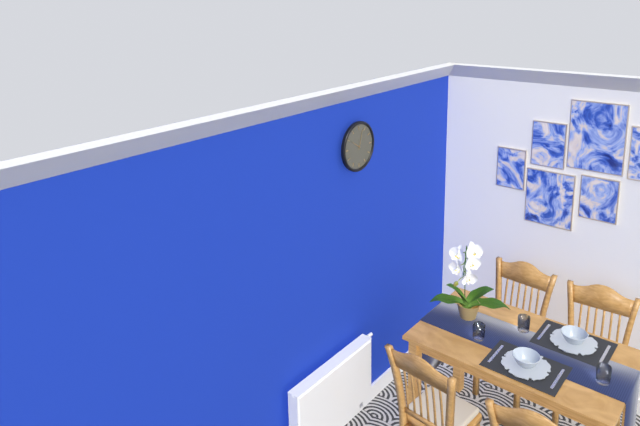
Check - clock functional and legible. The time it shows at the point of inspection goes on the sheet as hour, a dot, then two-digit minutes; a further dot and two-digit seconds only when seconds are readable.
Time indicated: 10.03
